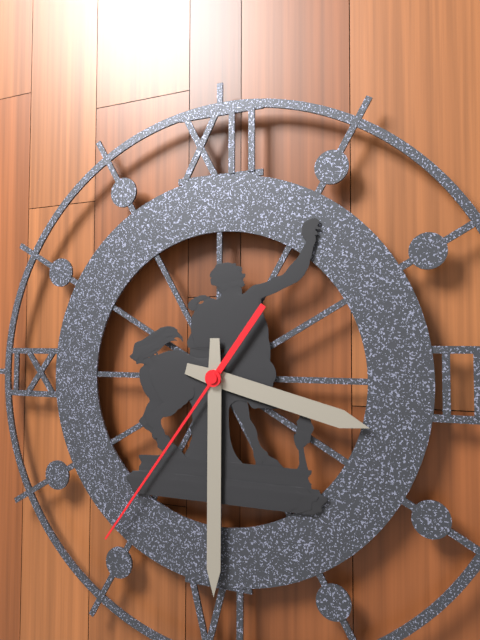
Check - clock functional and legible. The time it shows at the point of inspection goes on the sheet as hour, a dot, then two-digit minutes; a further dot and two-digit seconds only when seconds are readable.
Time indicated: 3.30.36
